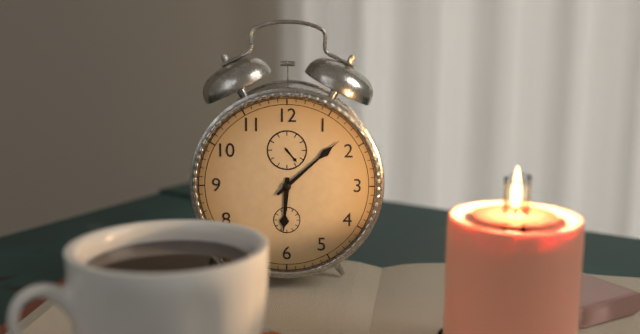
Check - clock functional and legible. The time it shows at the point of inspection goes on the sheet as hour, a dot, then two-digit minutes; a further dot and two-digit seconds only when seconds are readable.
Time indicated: 6.08
